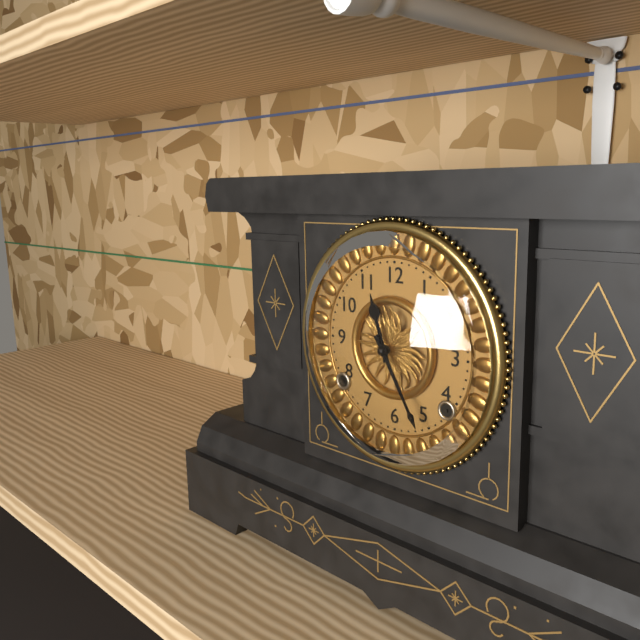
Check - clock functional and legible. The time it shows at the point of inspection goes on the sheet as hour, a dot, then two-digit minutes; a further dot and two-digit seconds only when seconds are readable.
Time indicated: 11.25
